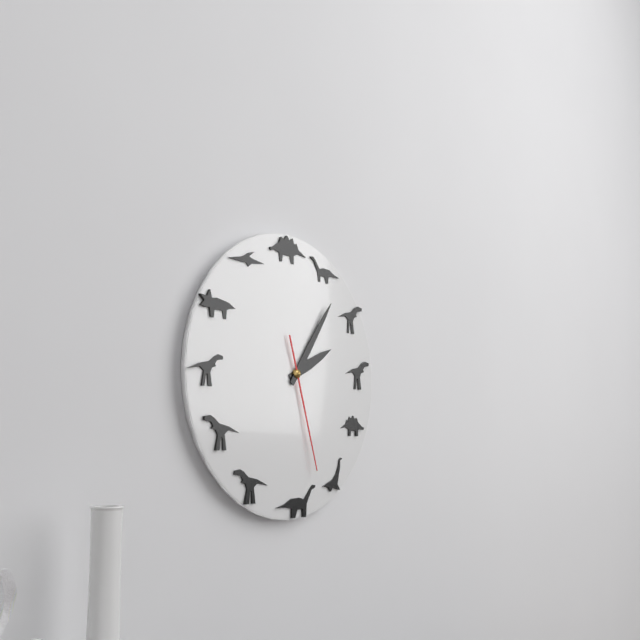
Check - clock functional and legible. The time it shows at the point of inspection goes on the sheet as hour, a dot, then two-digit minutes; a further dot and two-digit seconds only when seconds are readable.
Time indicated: 2.06.27
